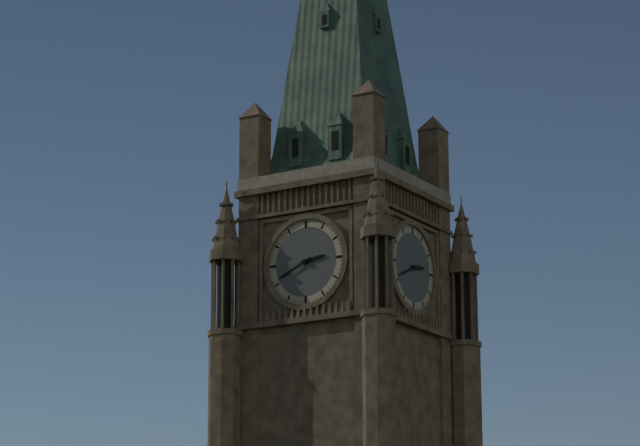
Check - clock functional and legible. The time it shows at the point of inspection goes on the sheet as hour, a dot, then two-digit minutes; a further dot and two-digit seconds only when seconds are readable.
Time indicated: 2.41
